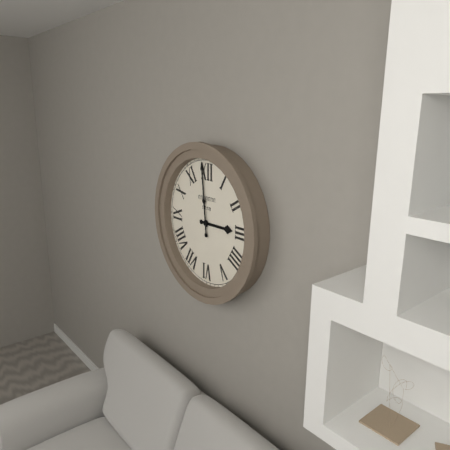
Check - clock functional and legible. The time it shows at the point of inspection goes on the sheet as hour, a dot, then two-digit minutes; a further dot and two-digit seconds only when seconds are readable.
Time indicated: 2.59
